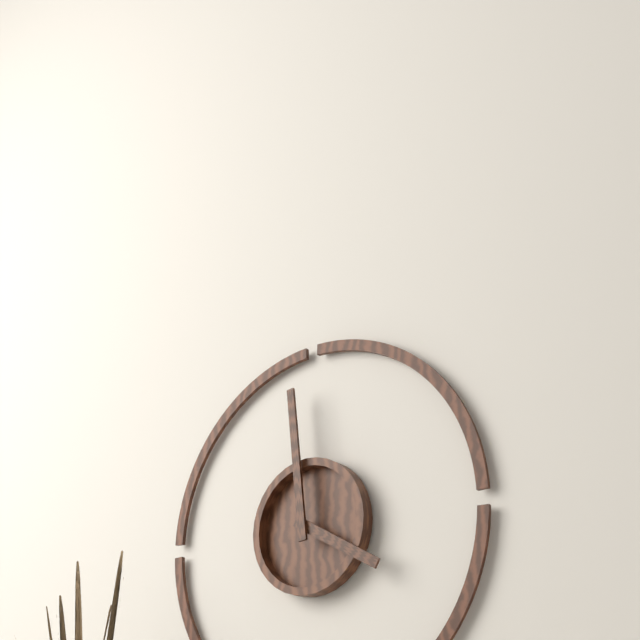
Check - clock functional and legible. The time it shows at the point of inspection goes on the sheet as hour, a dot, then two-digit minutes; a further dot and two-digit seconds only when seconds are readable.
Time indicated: 3.59
